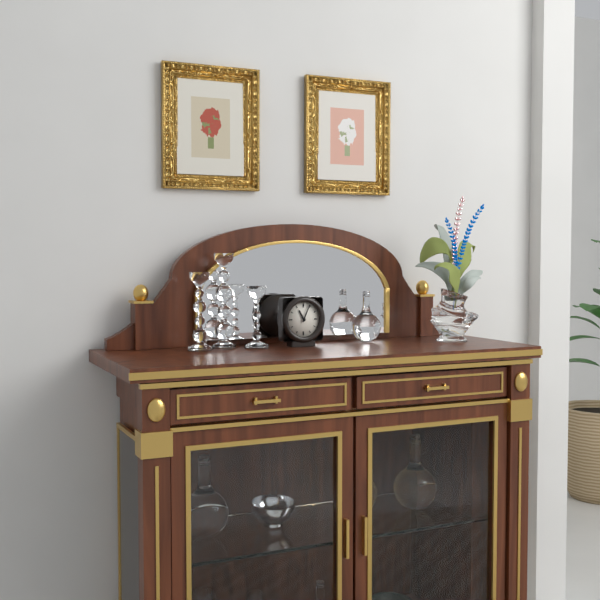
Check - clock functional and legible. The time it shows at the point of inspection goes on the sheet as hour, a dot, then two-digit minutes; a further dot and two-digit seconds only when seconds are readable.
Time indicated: 11.04
